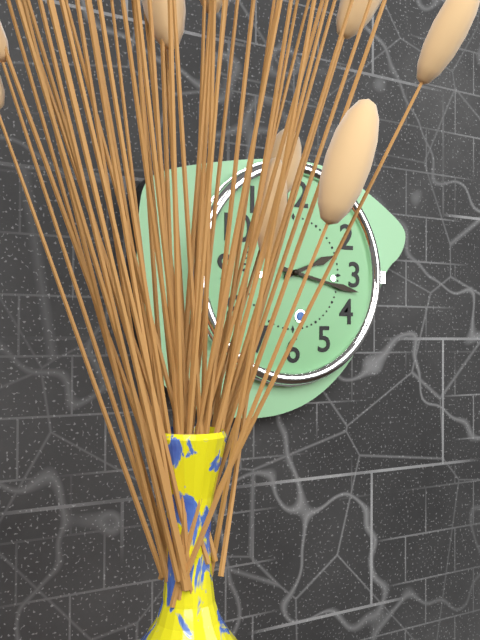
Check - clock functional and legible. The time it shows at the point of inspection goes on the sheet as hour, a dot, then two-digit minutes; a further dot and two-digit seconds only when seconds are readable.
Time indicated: 2.17
